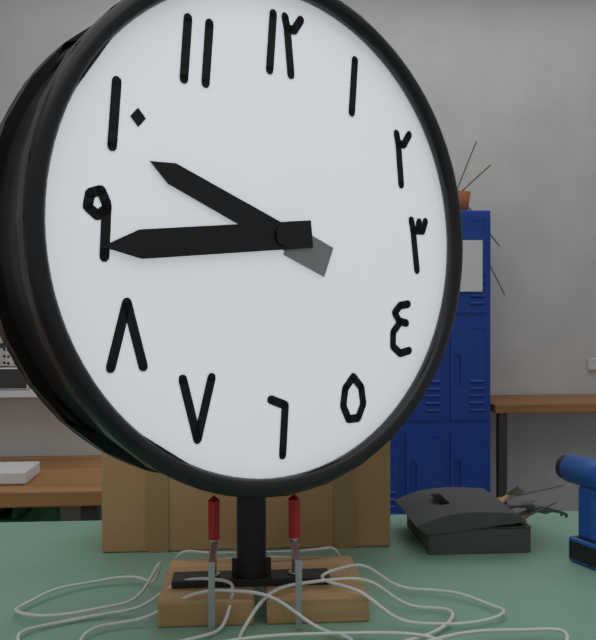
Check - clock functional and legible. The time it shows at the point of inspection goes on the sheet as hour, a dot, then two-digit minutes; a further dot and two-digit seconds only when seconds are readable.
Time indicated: 9.44
